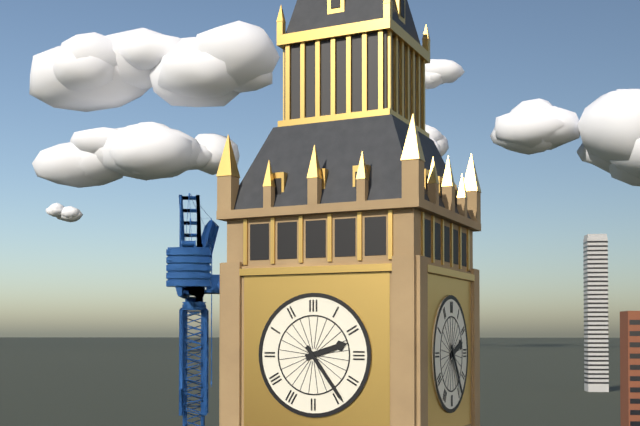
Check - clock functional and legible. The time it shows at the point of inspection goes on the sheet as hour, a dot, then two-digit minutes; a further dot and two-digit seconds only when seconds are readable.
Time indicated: 2.24
